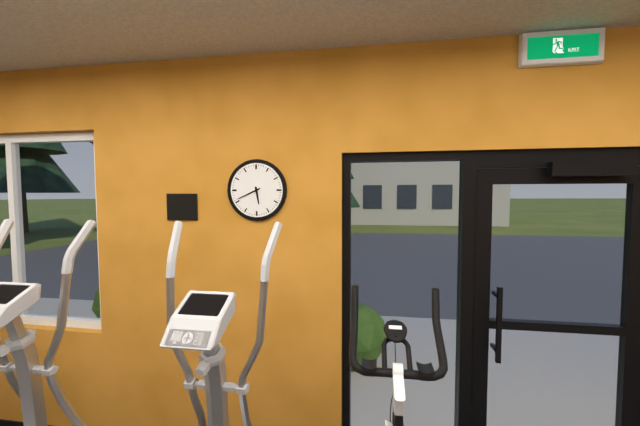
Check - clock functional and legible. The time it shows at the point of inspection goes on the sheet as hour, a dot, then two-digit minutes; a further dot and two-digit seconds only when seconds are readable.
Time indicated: 5.41
